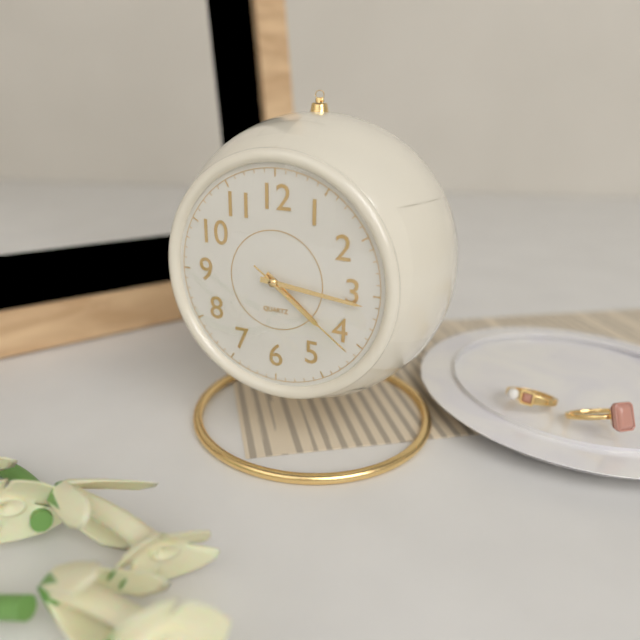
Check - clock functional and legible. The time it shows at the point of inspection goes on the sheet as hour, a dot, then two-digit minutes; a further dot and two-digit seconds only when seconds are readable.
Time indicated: 4.16.21
